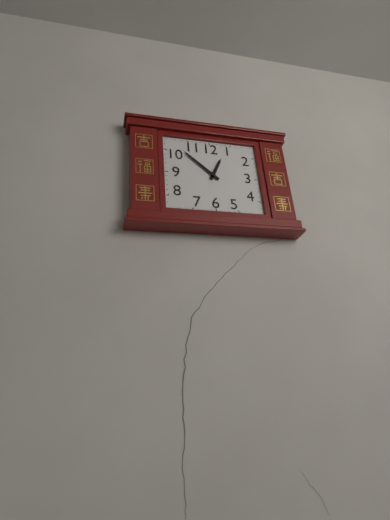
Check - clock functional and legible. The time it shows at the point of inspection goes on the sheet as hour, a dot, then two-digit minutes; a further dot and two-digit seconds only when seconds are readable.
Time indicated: 12.52
